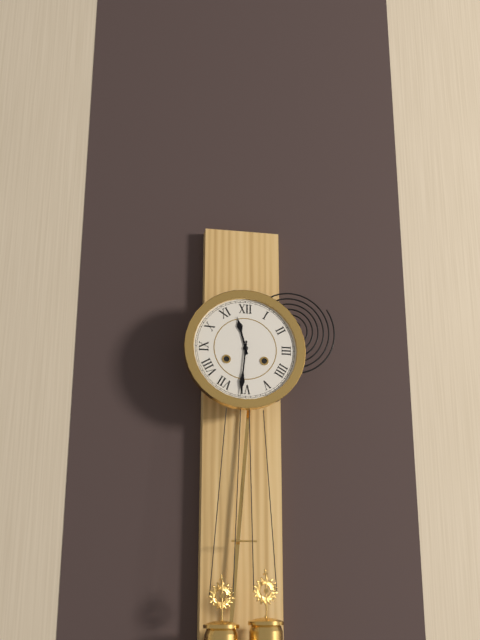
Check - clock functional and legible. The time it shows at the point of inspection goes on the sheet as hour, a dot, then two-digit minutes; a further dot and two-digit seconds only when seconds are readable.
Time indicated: 11.31
